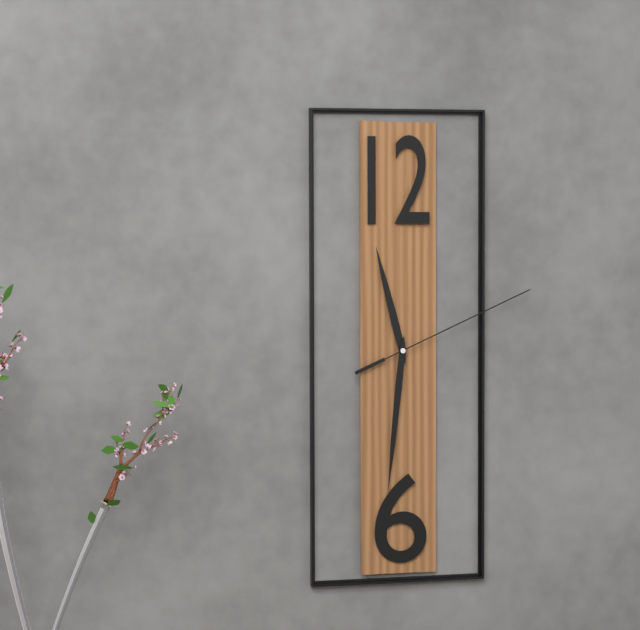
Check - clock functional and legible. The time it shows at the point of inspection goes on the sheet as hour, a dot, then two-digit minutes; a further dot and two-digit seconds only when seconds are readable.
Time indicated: 11.31.11
